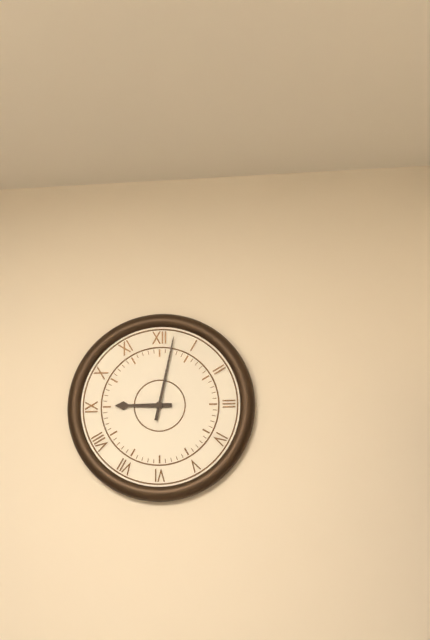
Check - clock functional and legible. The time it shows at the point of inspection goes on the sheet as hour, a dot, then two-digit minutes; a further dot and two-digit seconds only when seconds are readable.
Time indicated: 9.02
